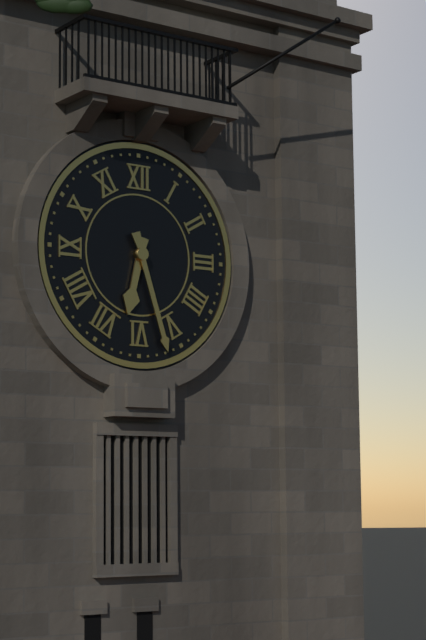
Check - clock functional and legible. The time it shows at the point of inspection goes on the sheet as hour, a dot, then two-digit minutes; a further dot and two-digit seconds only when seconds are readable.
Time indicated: 6.27
